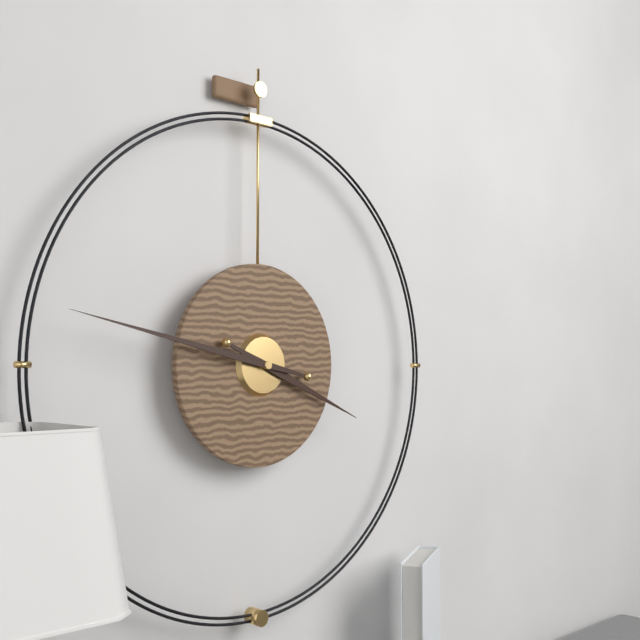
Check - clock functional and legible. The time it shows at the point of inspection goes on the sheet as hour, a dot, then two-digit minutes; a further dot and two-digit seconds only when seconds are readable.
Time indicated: 3.47
